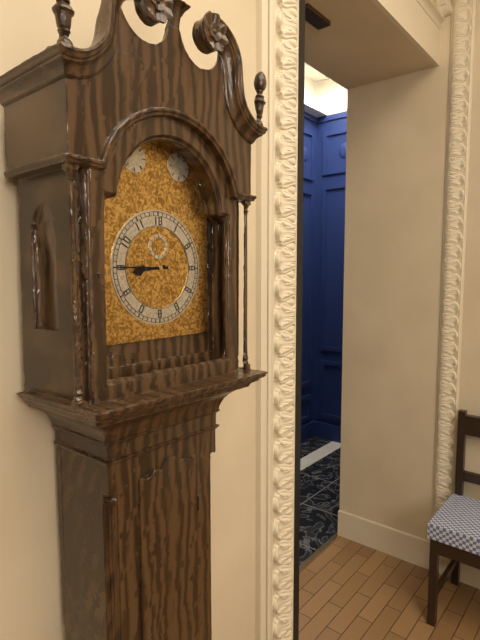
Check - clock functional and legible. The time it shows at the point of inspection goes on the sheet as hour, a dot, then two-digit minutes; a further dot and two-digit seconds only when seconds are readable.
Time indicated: 8.45
